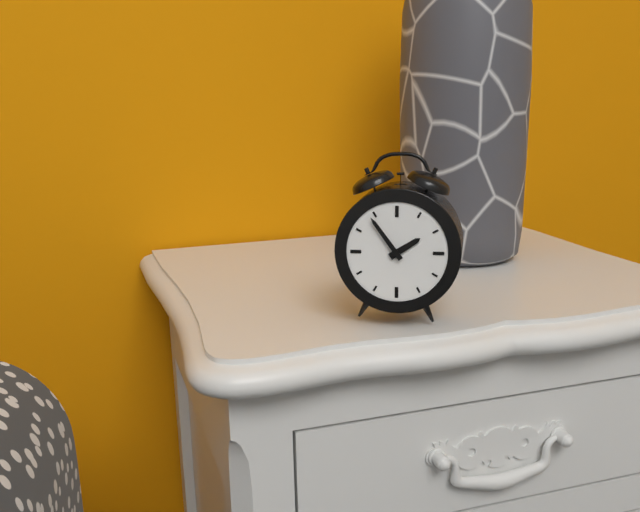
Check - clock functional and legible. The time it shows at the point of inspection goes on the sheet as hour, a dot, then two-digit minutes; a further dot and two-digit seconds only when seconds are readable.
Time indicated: 1.54
